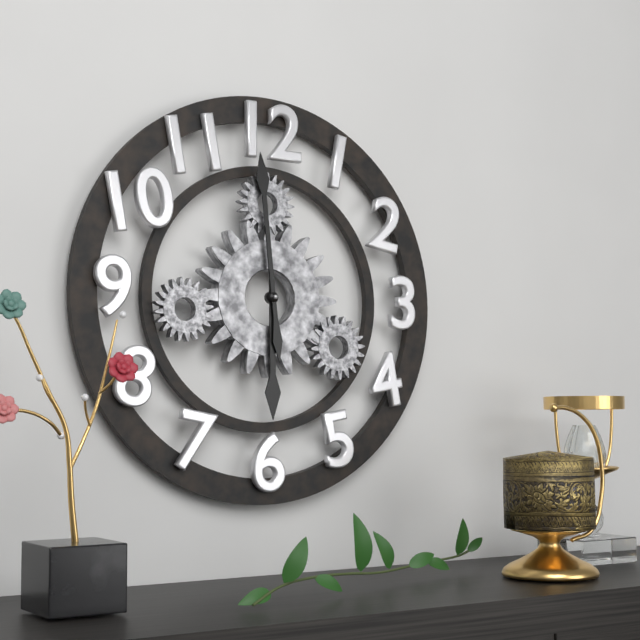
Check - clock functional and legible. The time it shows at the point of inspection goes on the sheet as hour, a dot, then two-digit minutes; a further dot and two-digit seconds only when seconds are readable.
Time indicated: 5.59
